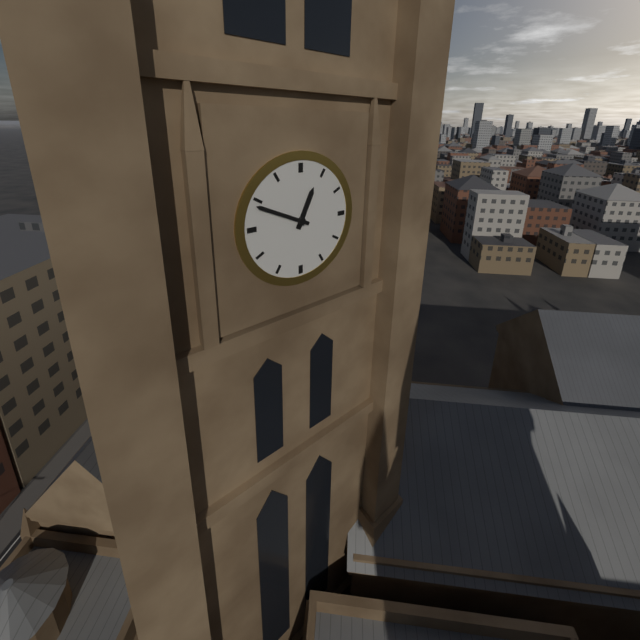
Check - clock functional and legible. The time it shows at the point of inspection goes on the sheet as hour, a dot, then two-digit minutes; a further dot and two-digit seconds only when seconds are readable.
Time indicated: 12.49
